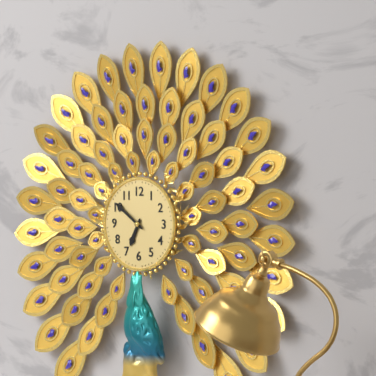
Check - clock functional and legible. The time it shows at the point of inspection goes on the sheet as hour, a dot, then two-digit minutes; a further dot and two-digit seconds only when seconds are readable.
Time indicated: 6.51
